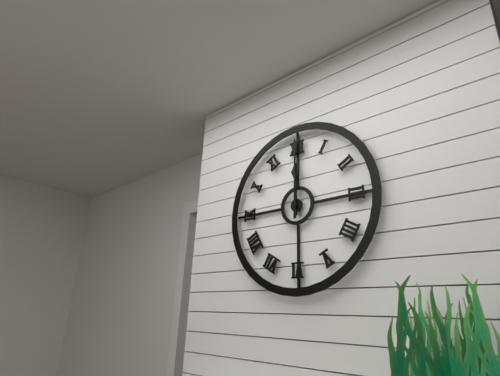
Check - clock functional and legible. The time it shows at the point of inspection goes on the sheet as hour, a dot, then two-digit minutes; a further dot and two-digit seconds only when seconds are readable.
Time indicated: 12.00
